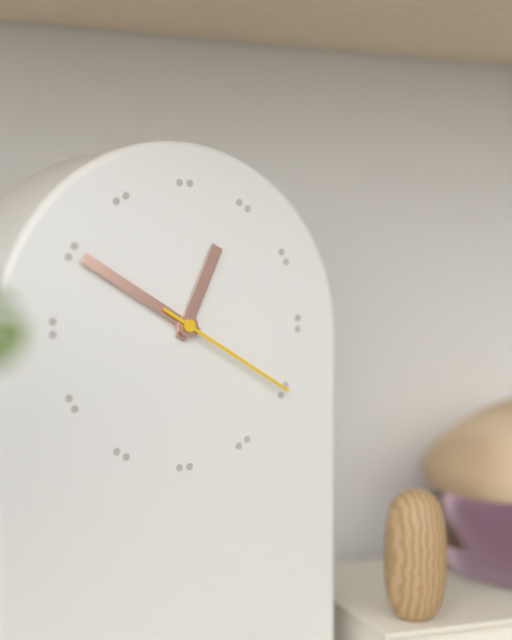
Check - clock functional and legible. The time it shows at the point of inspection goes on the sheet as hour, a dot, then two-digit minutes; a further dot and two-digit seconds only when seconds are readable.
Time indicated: 12.50.20
